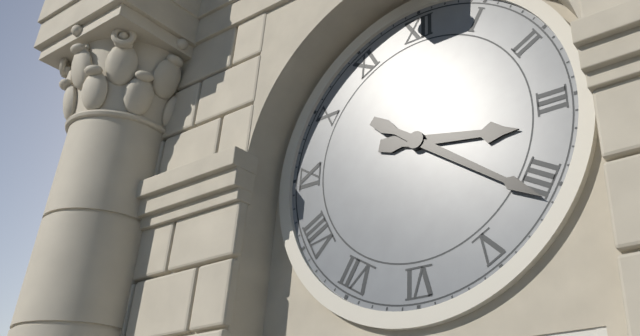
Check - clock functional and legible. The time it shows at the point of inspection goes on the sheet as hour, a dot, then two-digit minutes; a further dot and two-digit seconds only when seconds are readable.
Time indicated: 3.21
